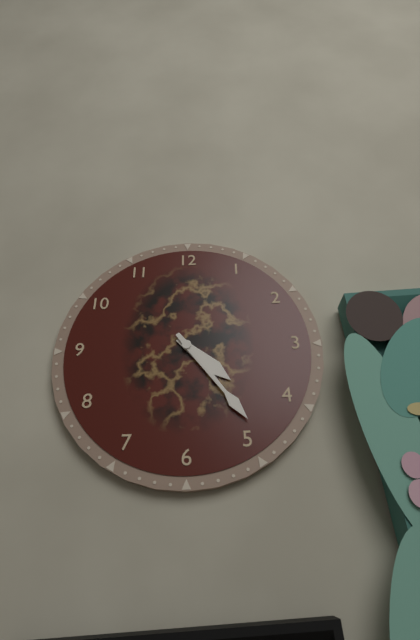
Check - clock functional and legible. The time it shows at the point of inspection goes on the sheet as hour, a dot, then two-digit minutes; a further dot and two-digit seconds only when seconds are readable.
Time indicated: 4.24
